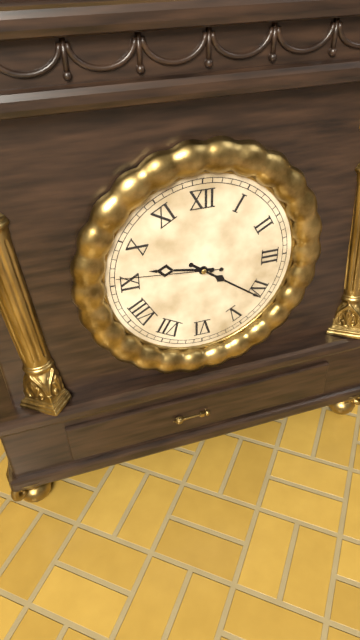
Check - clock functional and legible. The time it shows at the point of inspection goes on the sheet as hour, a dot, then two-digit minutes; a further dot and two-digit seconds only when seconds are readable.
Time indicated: 9.21.46
